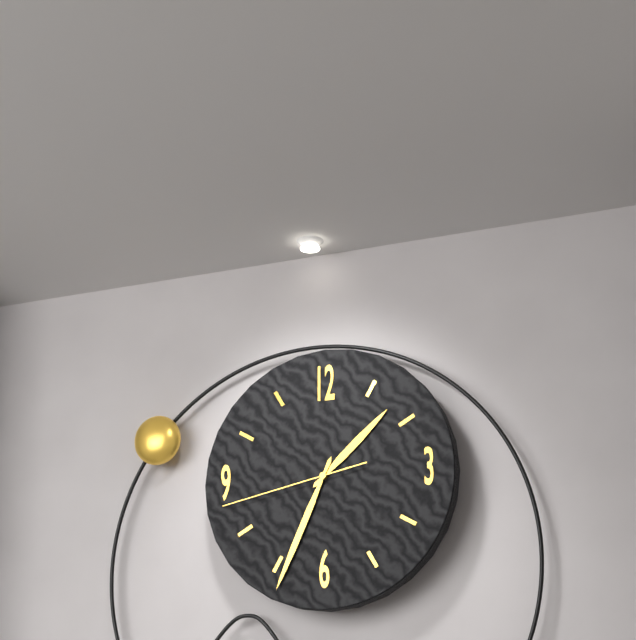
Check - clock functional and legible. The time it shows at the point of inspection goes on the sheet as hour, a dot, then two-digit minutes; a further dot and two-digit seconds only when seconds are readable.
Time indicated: 1.34.43
